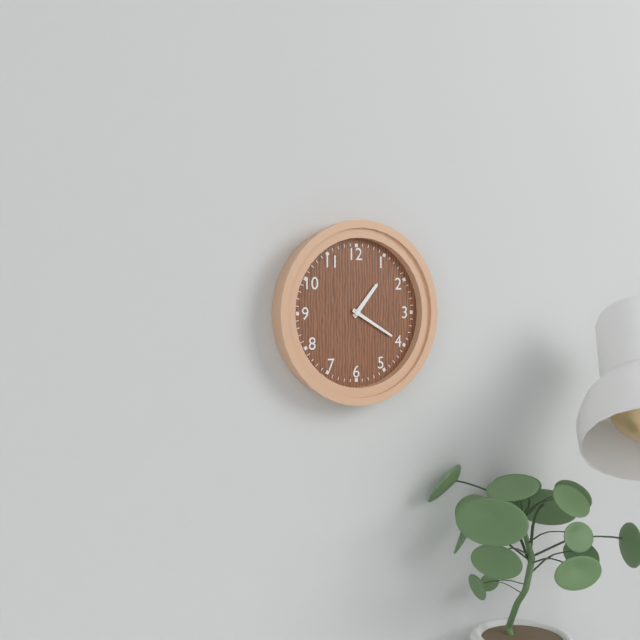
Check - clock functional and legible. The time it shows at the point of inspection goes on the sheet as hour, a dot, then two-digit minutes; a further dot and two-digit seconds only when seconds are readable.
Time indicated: 1.20
